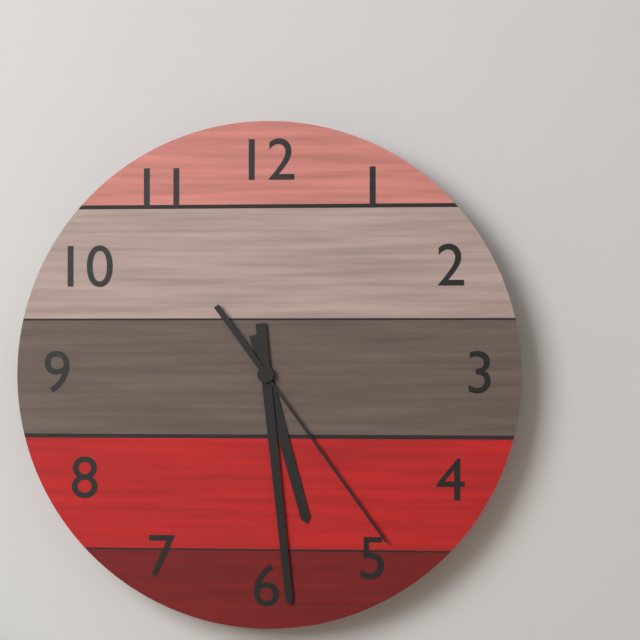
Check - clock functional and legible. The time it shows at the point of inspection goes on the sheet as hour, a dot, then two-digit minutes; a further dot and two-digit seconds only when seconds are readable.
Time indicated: 5.29.24
